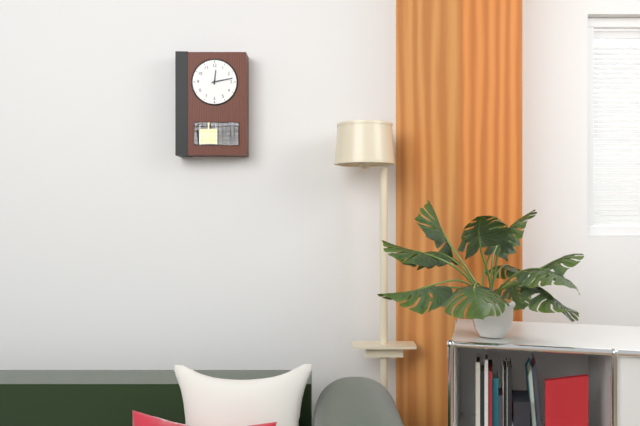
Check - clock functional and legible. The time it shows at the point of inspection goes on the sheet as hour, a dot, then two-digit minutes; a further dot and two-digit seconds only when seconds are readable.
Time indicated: 12.13
